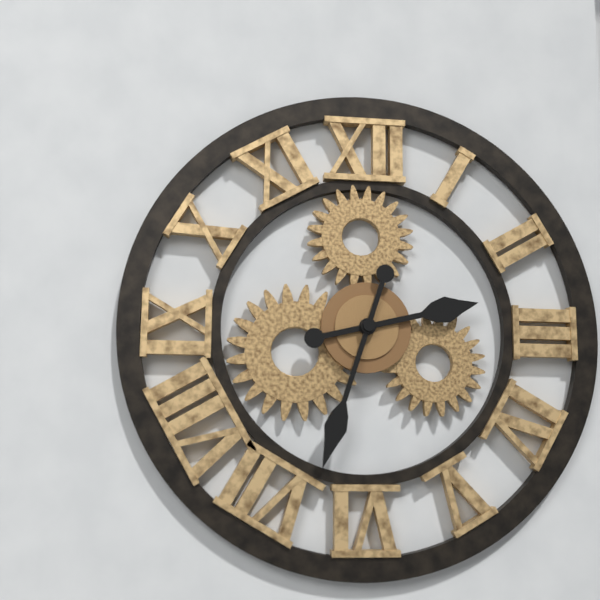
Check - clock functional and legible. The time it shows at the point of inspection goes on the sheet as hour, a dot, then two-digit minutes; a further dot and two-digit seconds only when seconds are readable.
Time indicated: 2.33
